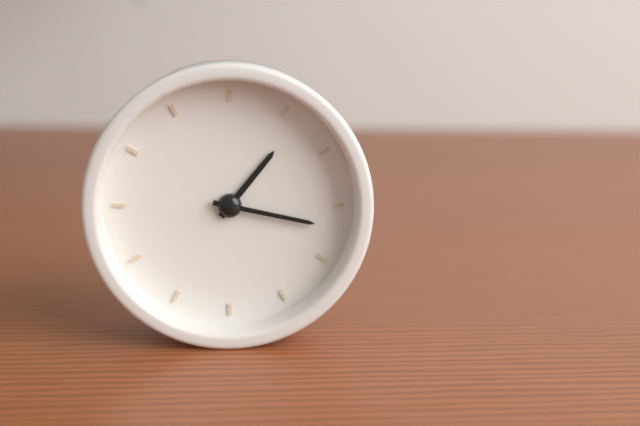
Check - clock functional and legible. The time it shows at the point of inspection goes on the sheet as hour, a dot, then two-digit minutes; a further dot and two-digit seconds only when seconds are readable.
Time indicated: 1.17
